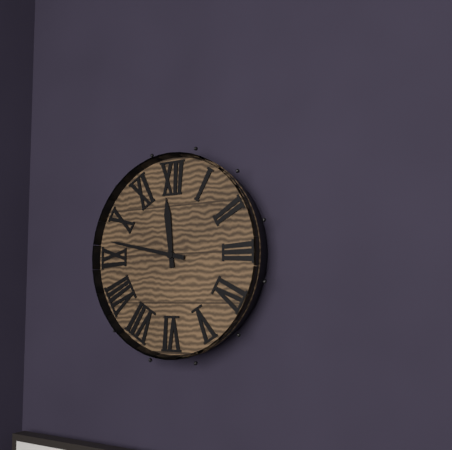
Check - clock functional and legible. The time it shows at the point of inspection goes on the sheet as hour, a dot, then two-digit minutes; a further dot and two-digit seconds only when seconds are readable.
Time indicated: 11.47
